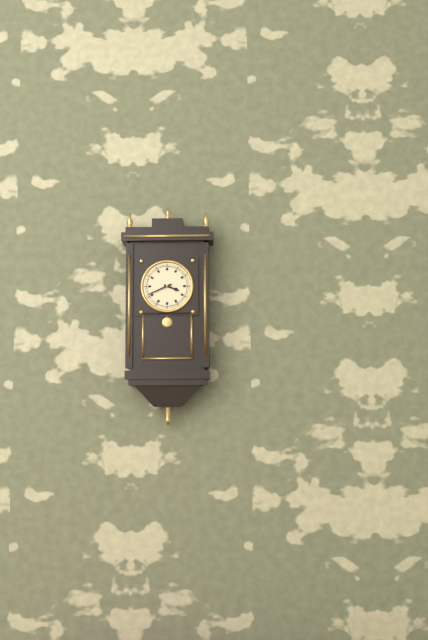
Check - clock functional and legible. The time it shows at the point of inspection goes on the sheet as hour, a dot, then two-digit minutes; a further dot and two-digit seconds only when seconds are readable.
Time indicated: 3.41
